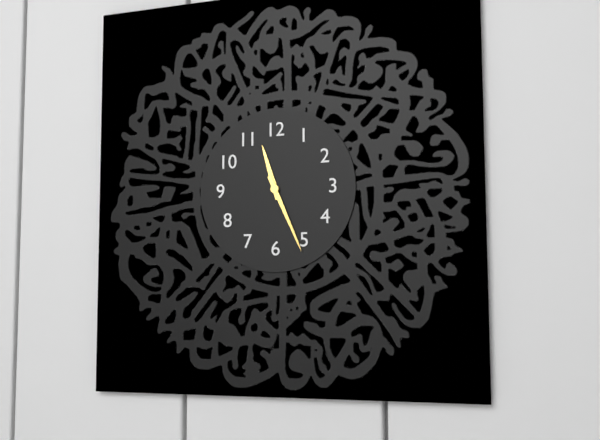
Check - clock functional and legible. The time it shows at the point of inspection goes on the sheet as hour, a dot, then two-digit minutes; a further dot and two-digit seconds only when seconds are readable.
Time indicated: 11.26
